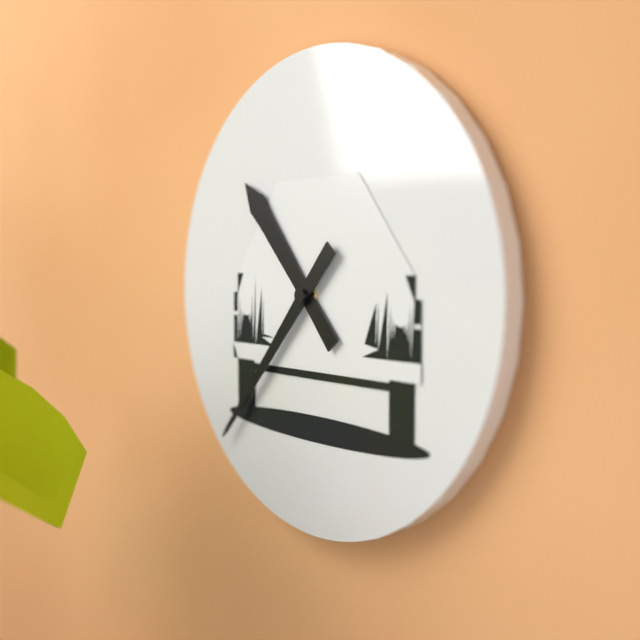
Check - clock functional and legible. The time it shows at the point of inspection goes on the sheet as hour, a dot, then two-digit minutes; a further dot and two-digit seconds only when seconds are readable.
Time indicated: 10.37
